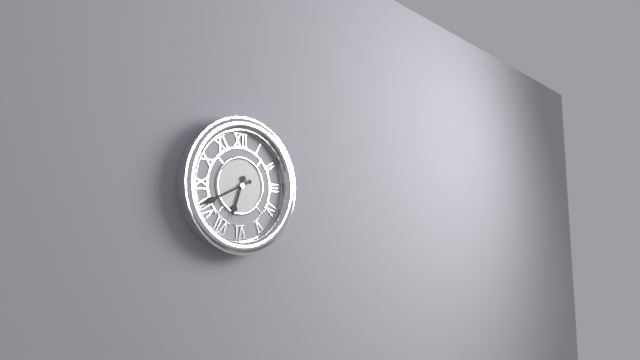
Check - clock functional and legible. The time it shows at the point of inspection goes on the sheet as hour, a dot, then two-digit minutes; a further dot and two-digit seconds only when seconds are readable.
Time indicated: 6.41
